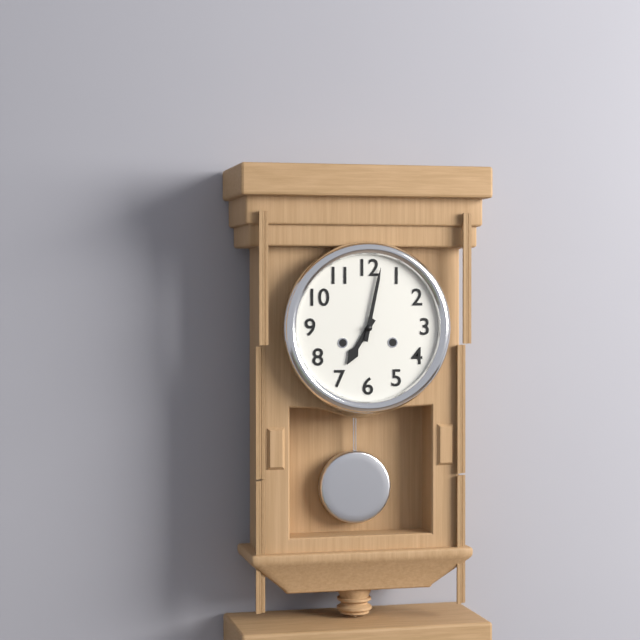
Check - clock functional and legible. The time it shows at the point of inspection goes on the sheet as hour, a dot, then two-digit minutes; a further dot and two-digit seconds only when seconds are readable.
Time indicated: 7.02
